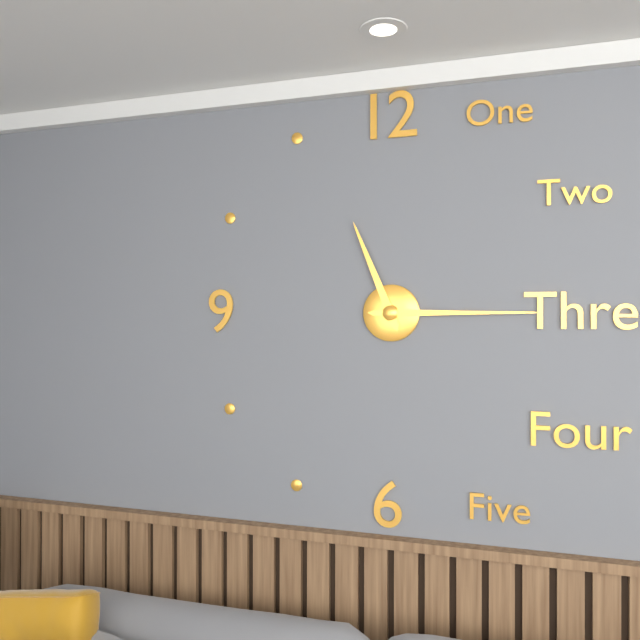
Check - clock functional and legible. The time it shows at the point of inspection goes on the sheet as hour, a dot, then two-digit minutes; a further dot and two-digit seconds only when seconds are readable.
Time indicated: 11.15
